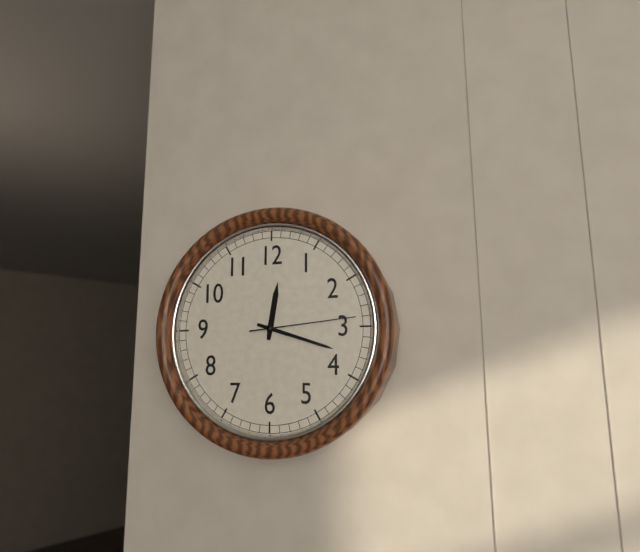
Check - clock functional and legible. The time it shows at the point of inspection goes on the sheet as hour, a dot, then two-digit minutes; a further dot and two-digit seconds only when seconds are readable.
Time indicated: 12.18.14
